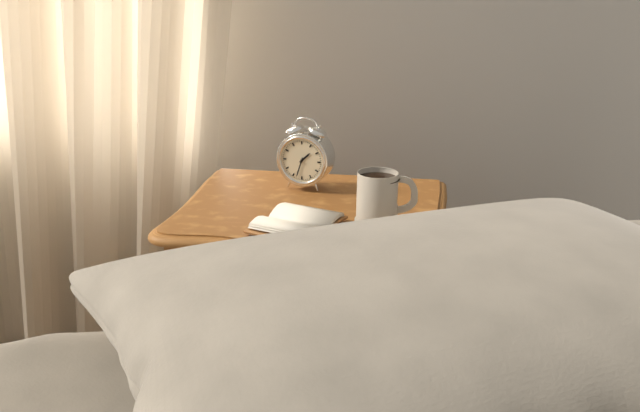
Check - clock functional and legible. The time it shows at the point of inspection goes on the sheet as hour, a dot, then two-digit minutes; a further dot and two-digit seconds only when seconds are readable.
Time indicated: 1.33
